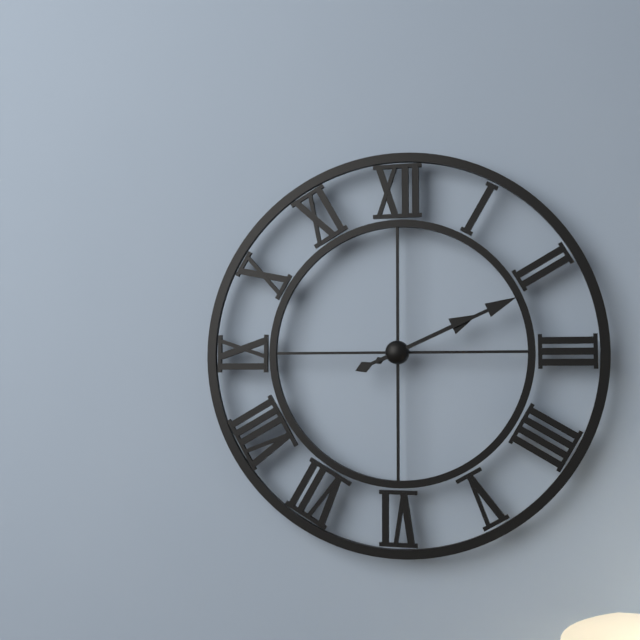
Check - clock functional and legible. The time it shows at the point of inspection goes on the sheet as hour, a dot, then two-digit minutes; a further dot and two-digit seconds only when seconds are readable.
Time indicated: 2.11
